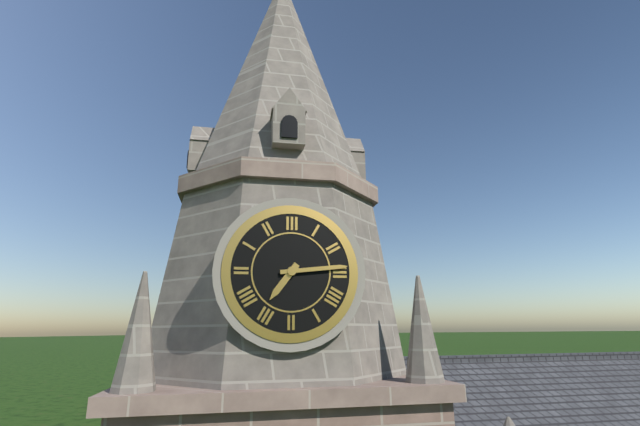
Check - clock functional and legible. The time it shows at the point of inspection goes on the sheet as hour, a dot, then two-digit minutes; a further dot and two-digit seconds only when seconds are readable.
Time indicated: 7.14
